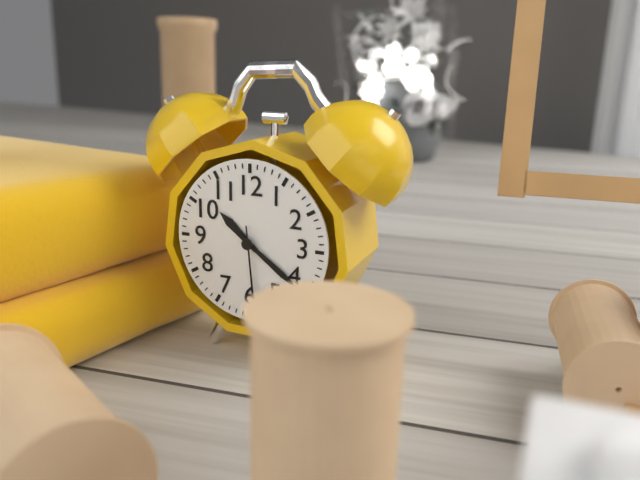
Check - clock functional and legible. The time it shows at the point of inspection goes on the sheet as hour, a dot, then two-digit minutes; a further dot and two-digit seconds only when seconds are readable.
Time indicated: 10.21.29
